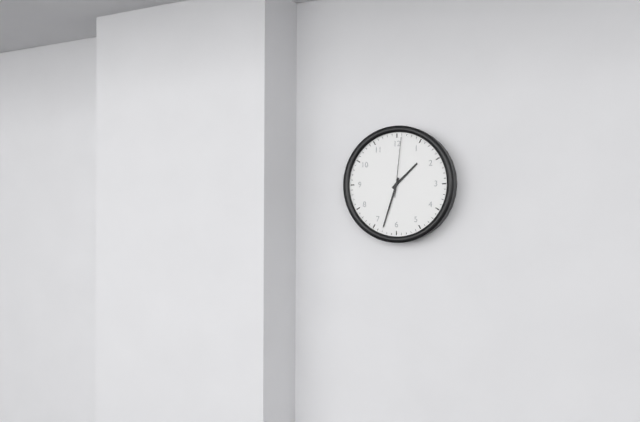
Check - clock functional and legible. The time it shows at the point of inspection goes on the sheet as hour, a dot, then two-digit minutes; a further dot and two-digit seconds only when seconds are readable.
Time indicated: 1.33.01
